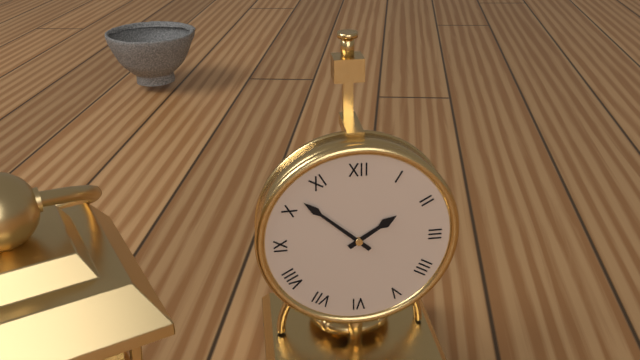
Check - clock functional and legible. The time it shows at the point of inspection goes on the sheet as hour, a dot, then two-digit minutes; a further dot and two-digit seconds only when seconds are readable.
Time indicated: 1.52
